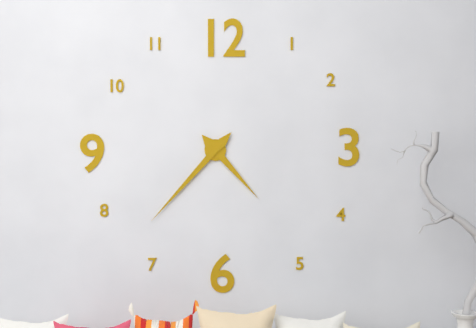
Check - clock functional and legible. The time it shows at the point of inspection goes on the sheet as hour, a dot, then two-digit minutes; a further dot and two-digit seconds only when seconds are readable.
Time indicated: 4.37
